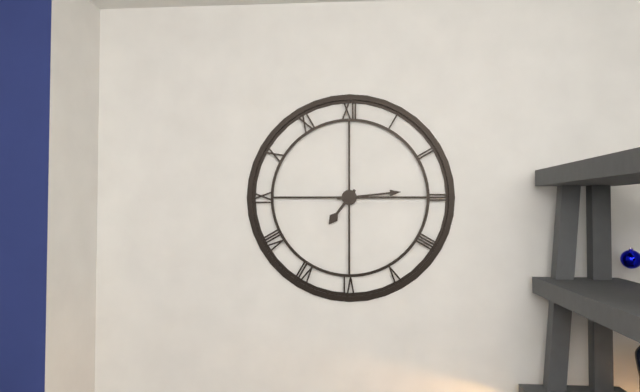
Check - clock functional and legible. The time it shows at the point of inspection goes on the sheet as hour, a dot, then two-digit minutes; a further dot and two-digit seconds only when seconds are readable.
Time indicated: 7.14
